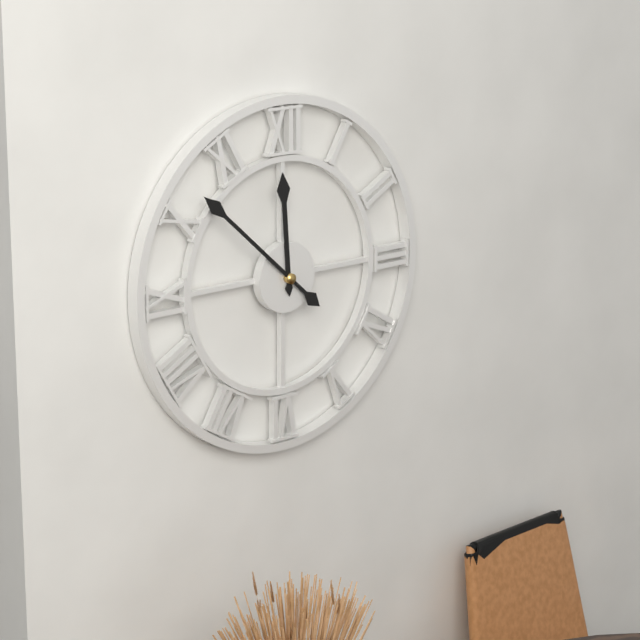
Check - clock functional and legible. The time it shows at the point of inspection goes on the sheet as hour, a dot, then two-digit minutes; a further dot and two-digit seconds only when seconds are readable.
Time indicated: 11.52
